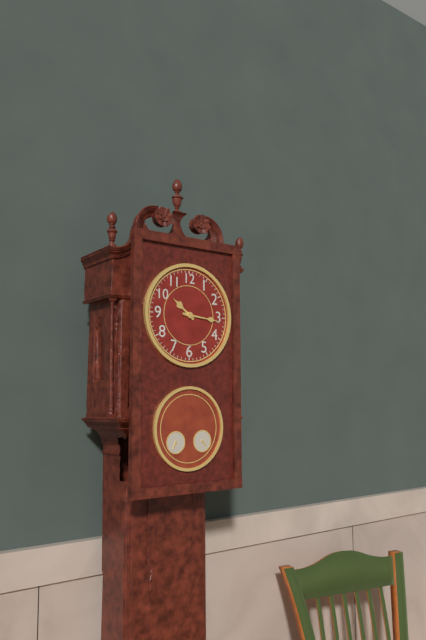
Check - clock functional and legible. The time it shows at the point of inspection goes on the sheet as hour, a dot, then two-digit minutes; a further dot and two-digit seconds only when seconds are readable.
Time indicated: 10.16
